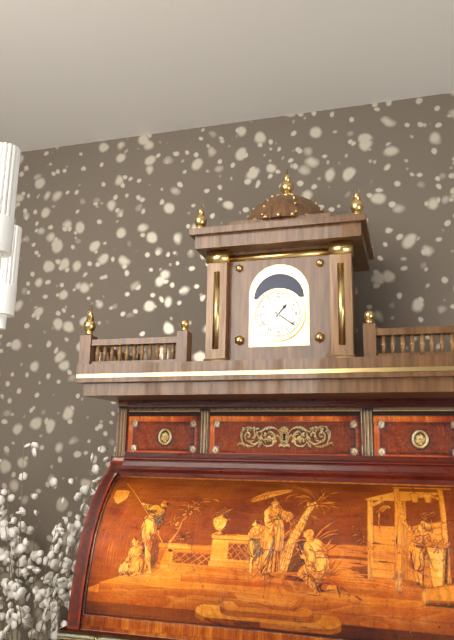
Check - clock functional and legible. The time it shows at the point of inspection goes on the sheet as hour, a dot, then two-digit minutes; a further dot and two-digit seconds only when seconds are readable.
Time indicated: 1.21
